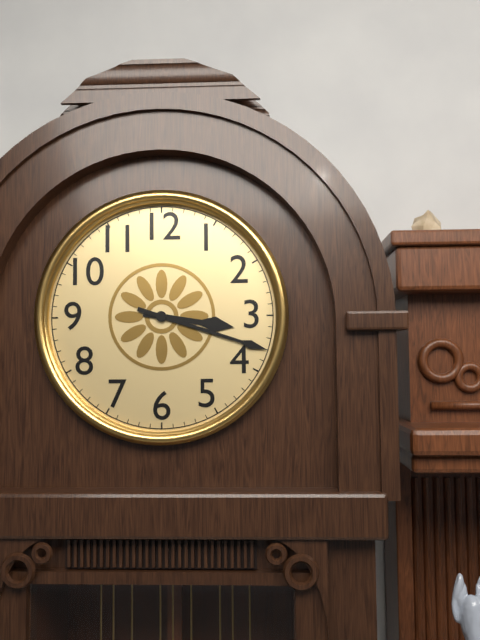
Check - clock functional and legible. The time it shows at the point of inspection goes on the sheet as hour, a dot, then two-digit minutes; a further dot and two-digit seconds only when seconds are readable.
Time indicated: 3.18
